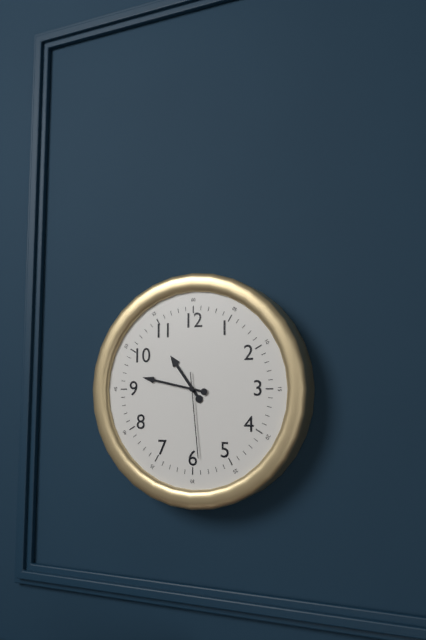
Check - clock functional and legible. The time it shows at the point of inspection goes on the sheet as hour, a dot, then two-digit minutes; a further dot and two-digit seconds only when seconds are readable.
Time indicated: 10.47.29
